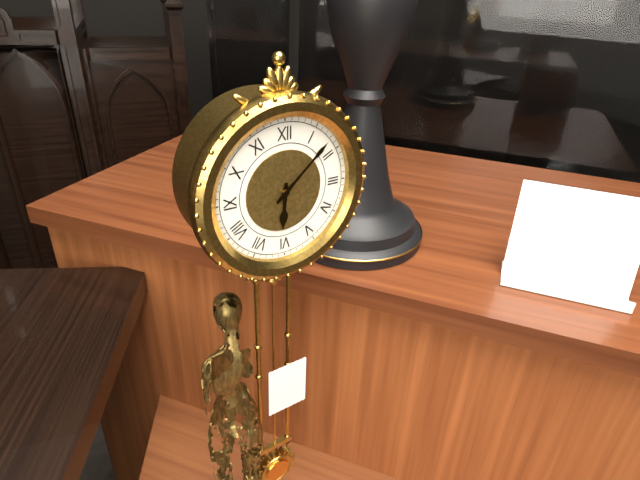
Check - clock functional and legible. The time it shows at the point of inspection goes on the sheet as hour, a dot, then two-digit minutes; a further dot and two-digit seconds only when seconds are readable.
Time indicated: 6.08
